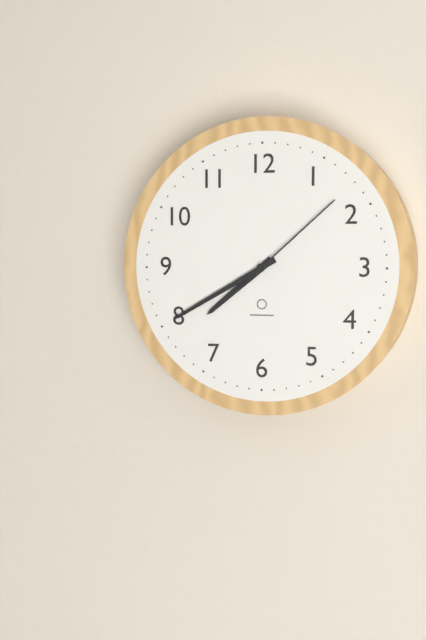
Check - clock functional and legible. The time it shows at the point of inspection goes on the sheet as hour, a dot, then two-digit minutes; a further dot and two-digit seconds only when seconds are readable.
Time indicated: 7.40.08
